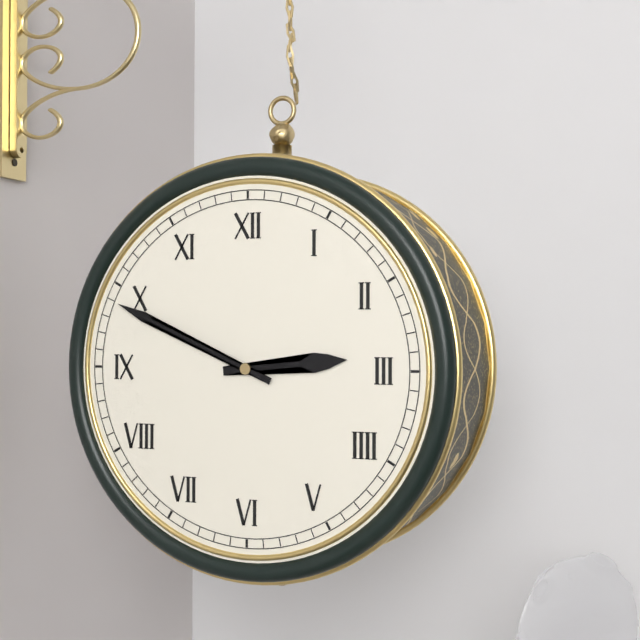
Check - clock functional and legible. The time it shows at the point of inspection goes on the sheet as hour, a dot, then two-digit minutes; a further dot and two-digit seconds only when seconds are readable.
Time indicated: 2.49
